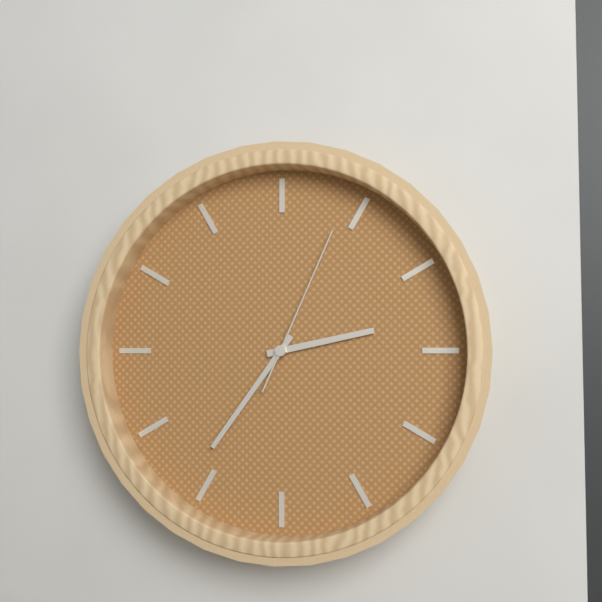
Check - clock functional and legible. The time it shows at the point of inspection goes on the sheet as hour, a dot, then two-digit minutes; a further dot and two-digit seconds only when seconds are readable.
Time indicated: 2.36.04
